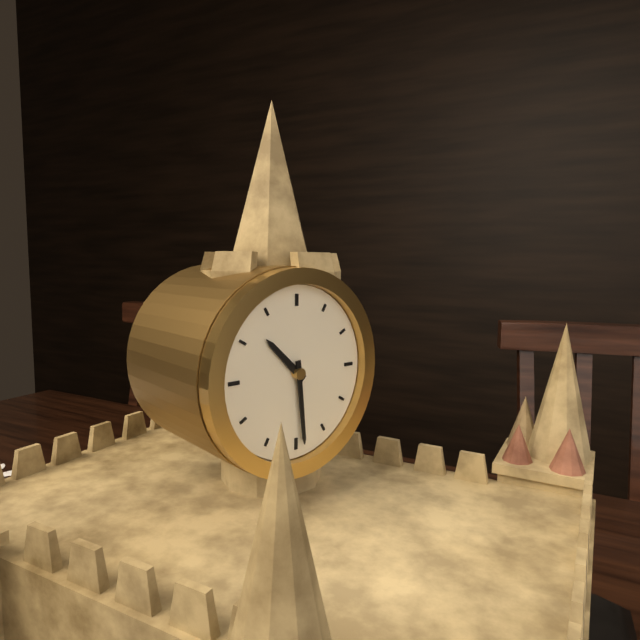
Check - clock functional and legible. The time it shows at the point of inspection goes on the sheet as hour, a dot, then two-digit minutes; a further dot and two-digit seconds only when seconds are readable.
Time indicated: 10.29
